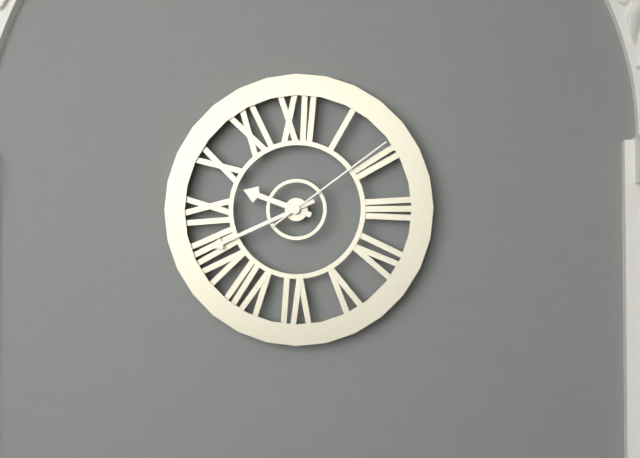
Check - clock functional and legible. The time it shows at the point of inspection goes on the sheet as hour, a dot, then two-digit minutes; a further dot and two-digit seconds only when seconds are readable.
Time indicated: 9.41.09
